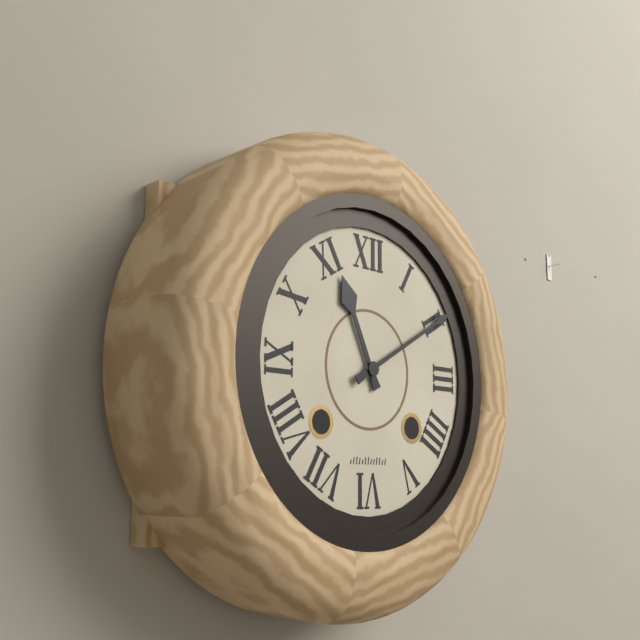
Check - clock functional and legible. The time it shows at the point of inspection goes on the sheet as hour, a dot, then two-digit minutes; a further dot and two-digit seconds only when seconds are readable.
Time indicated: 11.10
